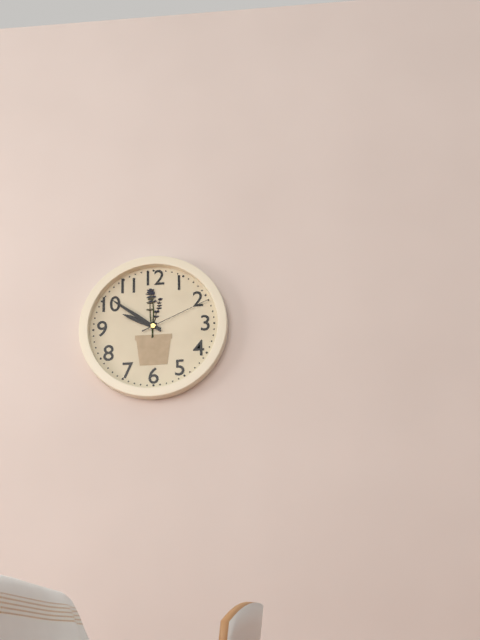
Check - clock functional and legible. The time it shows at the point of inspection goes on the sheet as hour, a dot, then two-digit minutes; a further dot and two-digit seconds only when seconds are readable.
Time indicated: 9.51.11
